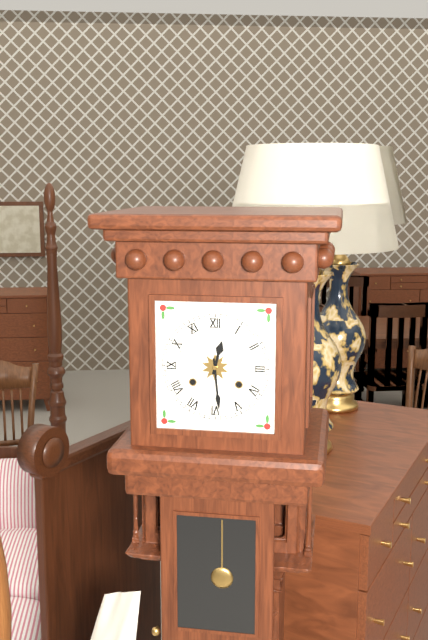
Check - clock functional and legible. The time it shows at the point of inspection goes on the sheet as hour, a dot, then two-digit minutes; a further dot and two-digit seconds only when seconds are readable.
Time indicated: 12.29
